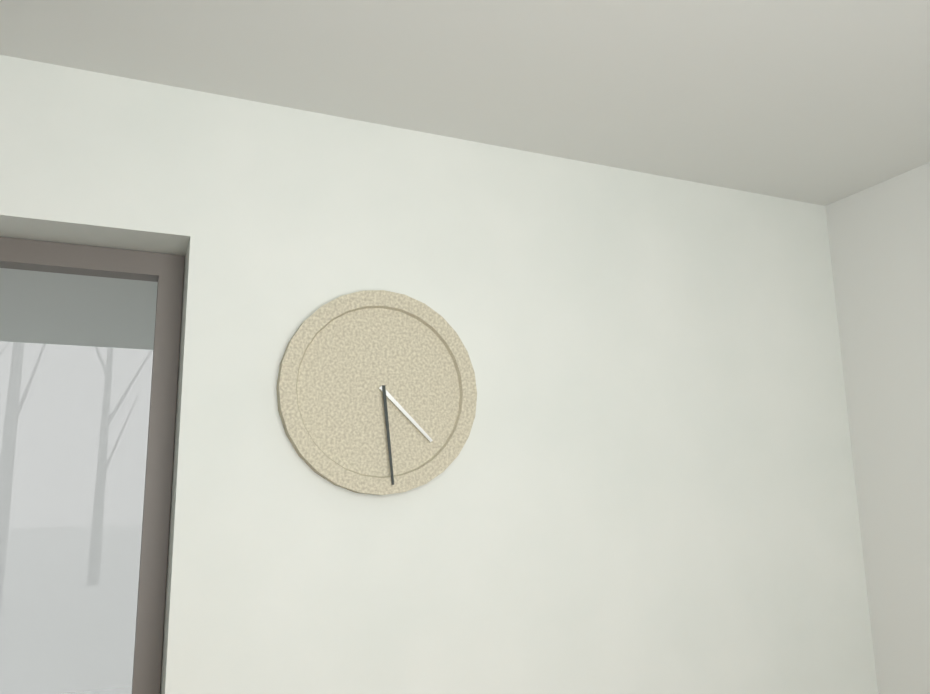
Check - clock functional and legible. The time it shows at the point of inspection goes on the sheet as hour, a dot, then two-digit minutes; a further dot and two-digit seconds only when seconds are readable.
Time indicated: 4.29
